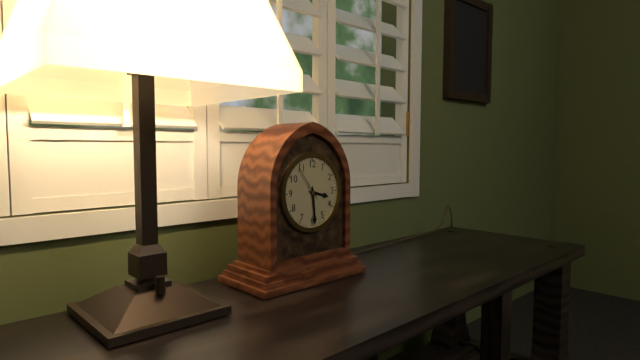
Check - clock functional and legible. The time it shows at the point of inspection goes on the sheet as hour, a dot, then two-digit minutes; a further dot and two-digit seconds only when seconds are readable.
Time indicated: 3.29
